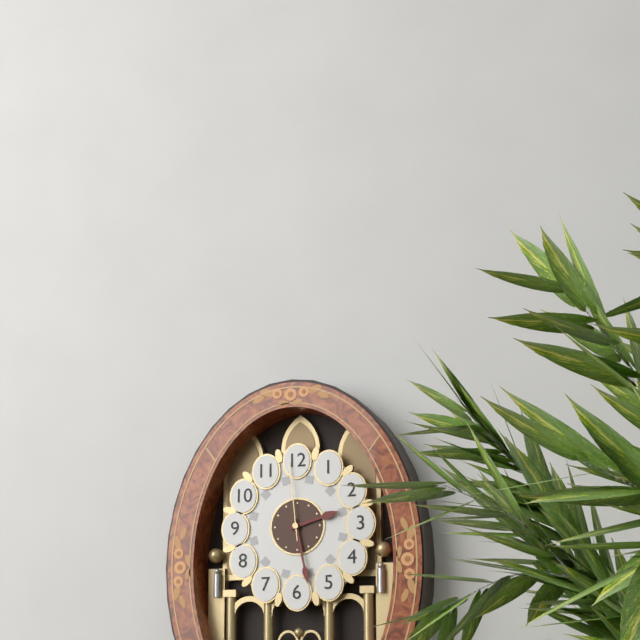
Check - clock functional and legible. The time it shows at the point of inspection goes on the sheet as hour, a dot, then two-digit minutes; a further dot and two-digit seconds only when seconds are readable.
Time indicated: 2.28.59
